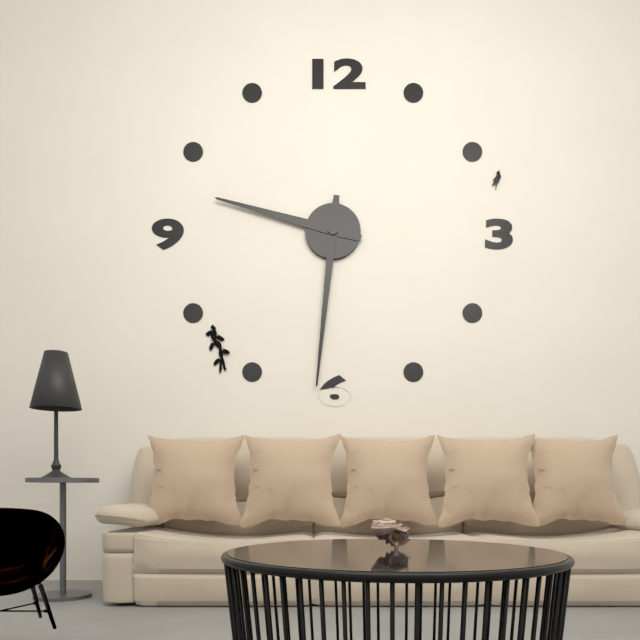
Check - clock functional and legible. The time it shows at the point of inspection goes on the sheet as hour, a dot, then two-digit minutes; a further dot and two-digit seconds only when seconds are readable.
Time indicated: 9.31
